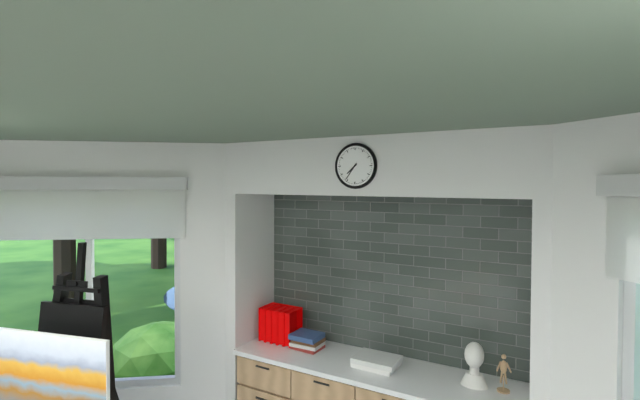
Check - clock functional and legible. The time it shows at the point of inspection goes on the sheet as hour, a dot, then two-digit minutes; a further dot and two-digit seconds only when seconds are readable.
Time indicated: 7.36
